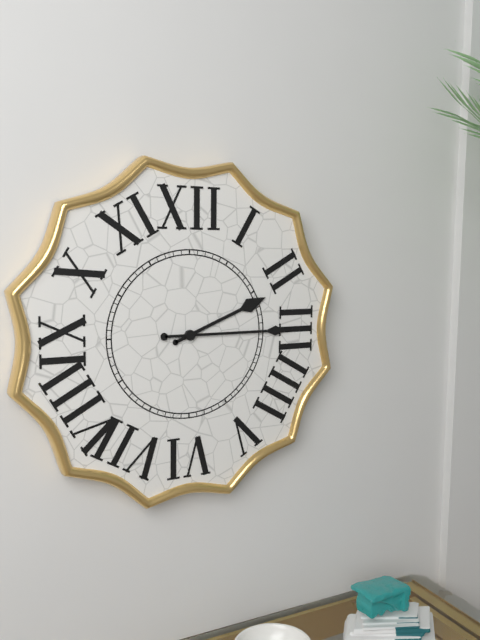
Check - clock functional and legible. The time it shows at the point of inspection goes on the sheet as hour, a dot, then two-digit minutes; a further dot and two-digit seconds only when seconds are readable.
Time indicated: 2.15
